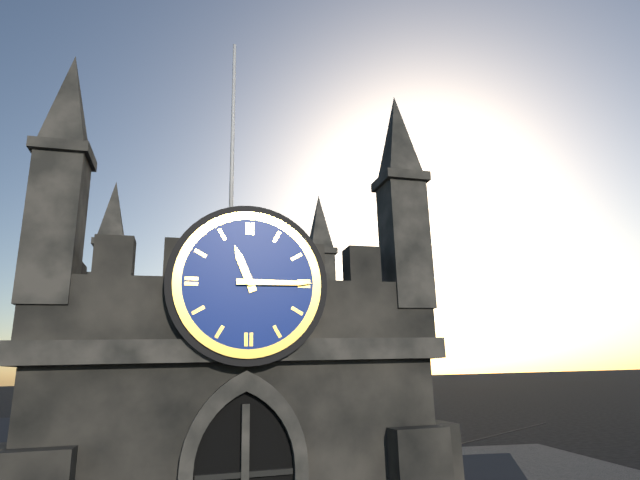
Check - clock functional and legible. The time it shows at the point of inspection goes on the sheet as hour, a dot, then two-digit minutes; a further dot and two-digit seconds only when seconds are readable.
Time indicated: 11.15
